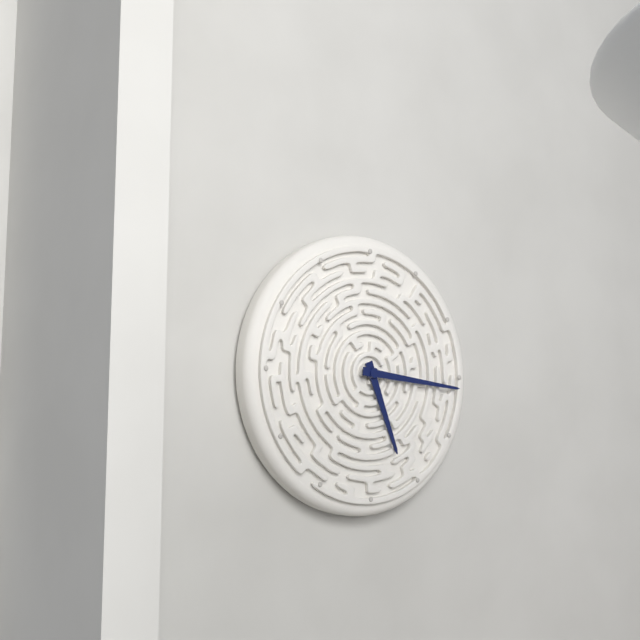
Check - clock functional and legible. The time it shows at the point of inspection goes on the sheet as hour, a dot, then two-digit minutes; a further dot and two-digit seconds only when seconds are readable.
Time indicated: 5.16
